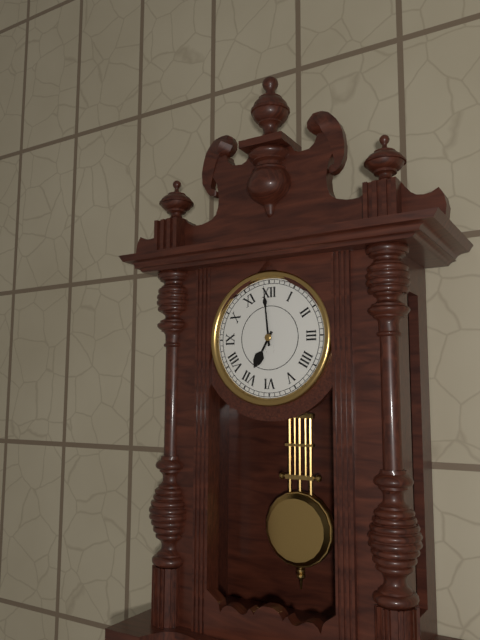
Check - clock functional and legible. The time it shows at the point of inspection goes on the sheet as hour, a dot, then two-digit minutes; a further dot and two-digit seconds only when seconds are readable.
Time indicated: 6.59
